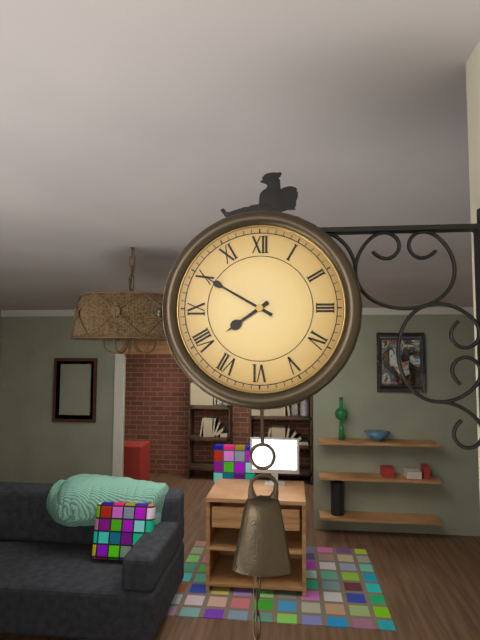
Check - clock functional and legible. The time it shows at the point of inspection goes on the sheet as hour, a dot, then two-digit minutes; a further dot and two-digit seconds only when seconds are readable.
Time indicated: 7.50
